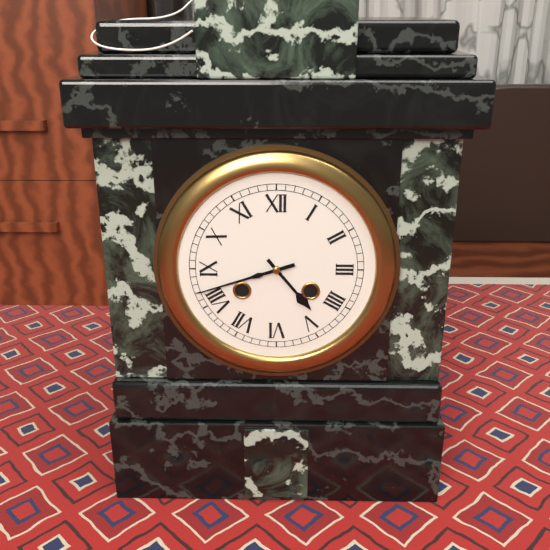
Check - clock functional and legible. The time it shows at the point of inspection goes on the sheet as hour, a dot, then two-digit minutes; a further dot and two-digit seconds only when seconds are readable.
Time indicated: 4.42
